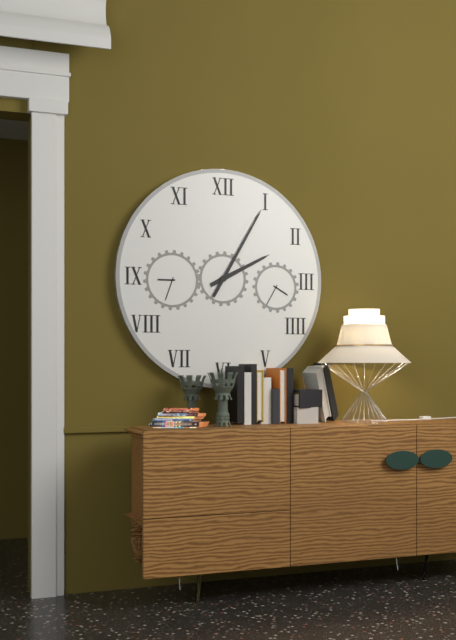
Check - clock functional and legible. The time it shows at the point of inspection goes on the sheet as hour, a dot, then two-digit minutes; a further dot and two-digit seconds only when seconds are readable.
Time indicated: 2.05
